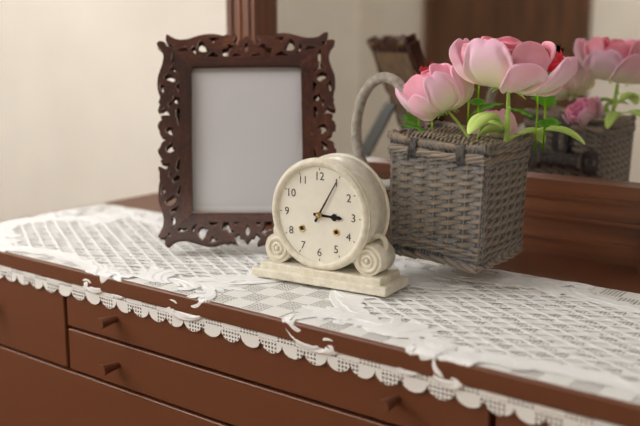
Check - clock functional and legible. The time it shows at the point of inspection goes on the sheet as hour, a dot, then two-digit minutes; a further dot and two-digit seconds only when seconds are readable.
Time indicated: 3.05
